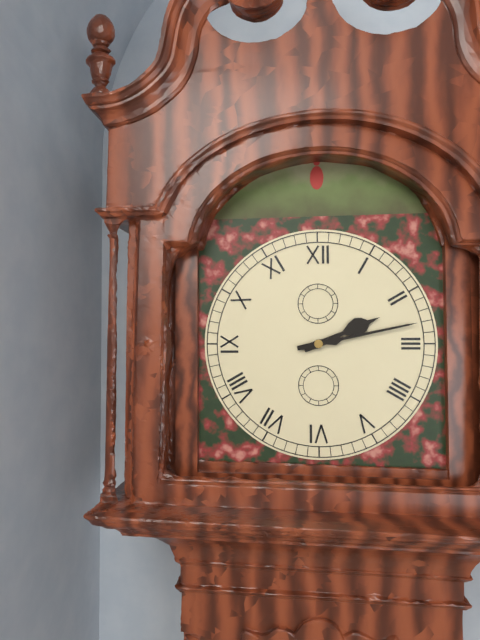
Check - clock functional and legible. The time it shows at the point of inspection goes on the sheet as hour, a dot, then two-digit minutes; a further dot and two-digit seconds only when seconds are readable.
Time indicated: 2.13
